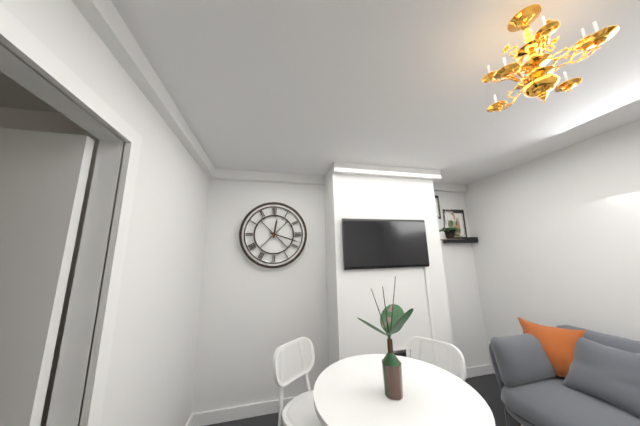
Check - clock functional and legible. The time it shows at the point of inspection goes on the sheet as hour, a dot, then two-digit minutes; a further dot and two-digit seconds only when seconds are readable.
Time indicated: 12.18
